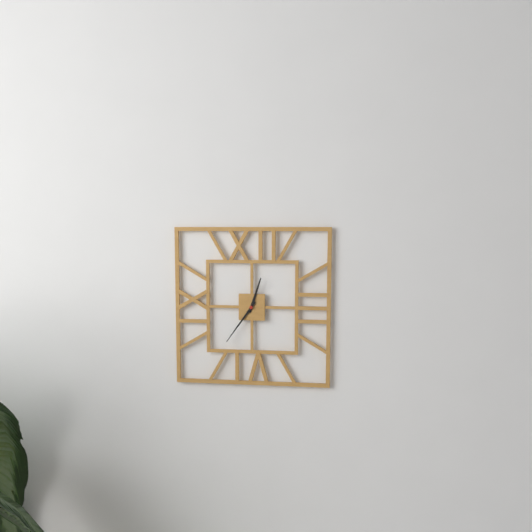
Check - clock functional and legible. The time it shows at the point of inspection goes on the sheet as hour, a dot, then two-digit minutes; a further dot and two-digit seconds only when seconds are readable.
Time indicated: 12.36
